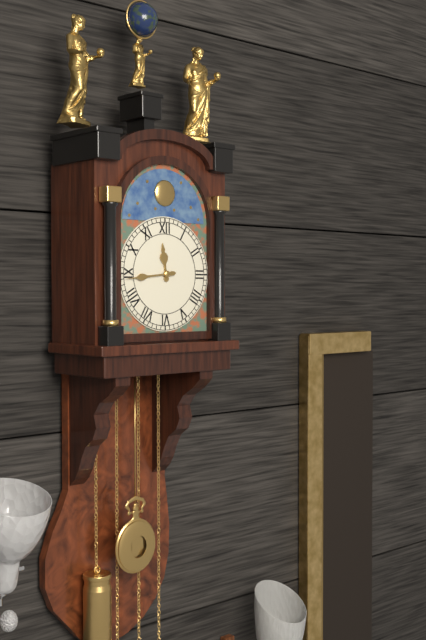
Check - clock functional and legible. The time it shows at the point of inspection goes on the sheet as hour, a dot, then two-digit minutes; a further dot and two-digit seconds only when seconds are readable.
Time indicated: 11.44
